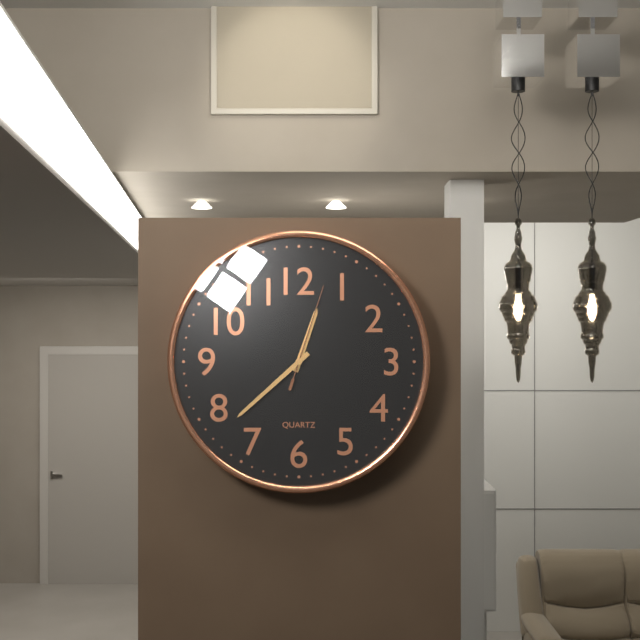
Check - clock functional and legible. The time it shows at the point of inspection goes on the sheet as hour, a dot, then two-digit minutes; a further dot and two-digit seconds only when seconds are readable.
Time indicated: 12.38.03
